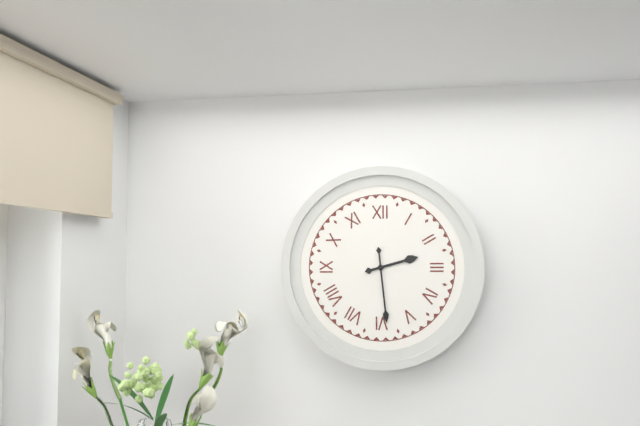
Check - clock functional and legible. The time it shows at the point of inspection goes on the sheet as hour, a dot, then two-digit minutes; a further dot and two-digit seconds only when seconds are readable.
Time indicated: 2.29
